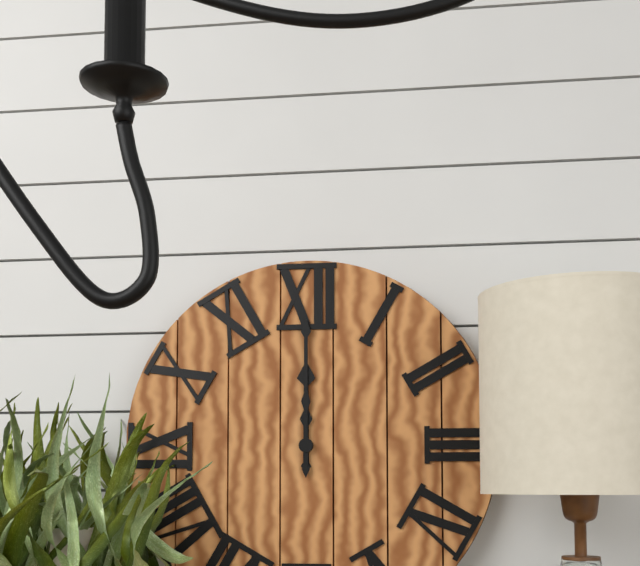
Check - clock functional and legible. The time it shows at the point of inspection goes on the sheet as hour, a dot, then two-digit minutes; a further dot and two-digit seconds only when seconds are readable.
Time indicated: 12.00
